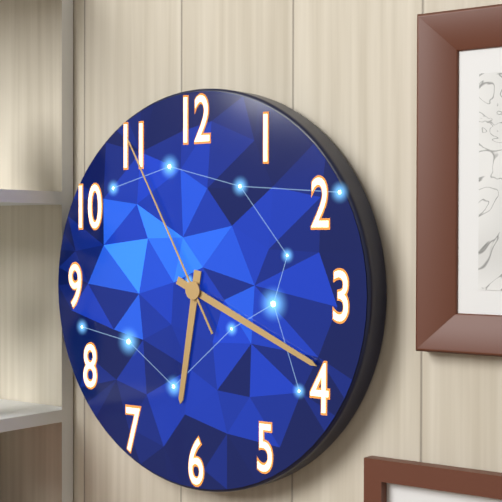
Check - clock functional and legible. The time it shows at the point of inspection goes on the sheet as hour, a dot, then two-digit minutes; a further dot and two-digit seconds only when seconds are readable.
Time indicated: 6.19.55
